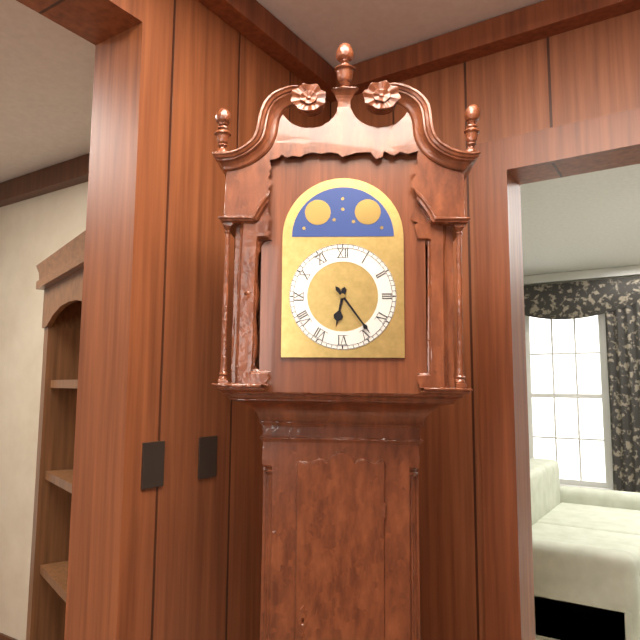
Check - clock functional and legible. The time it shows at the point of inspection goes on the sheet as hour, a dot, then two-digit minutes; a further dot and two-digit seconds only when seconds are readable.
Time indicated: 6.24
